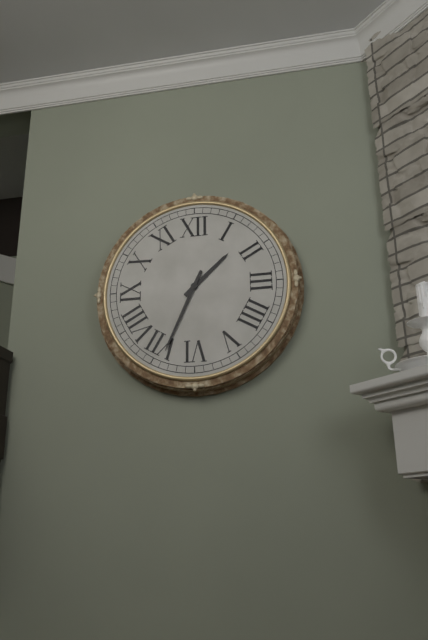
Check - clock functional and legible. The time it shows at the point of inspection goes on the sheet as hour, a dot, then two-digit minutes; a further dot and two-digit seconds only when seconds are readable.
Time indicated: 1.34
